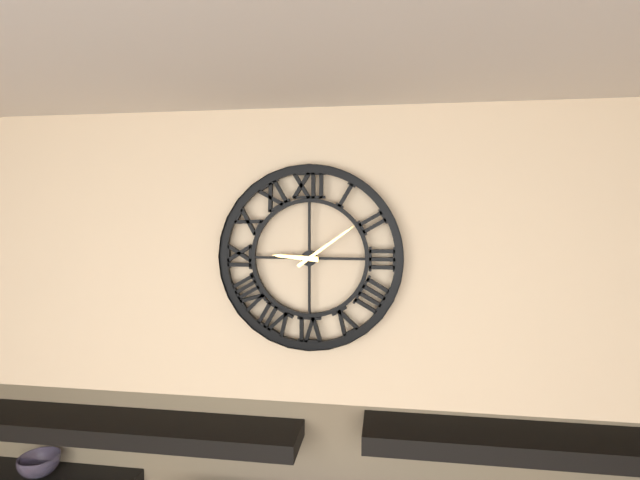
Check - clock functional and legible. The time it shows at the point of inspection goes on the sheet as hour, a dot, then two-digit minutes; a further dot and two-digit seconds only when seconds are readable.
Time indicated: 9.09
